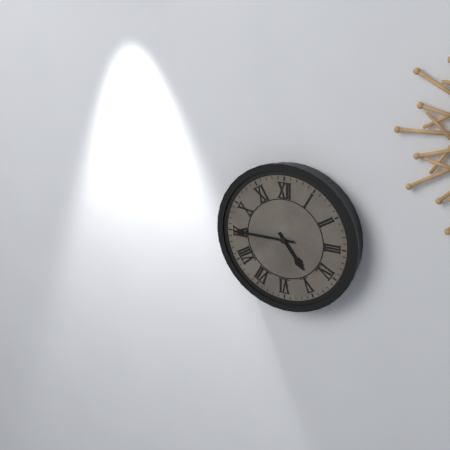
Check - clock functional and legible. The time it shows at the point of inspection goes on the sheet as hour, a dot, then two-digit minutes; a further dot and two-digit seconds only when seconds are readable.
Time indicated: 4.45
